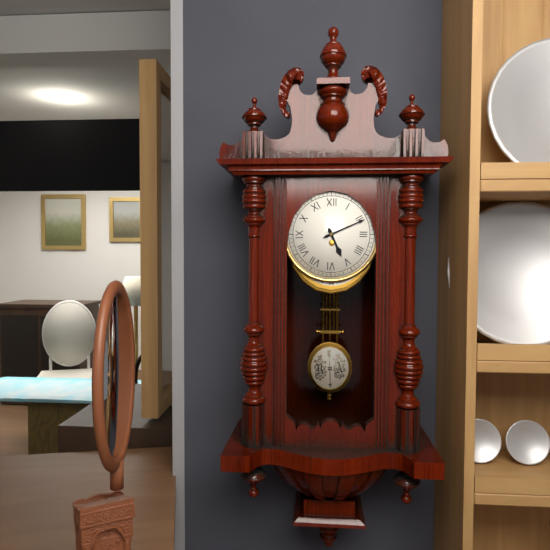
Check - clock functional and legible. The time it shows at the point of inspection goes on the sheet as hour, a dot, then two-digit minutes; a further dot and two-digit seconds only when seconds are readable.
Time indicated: 5.11
